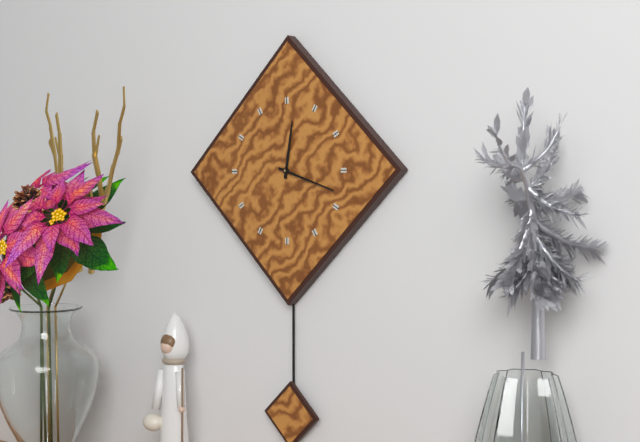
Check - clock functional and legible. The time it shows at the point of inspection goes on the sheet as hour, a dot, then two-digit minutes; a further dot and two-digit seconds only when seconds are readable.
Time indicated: 12.18
